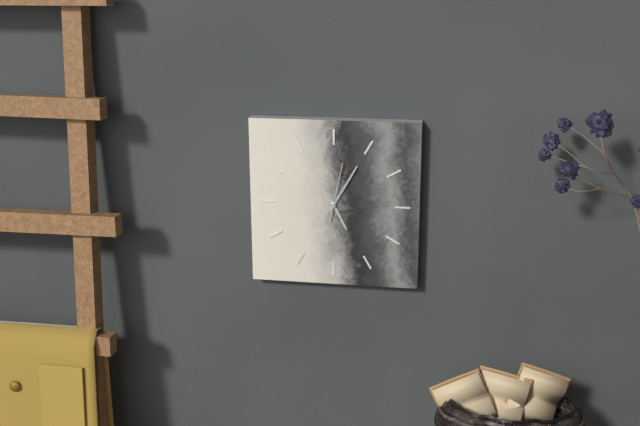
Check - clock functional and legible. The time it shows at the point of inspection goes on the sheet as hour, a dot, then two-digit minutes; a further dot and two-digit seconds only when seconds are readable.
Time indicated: 5.05.02
